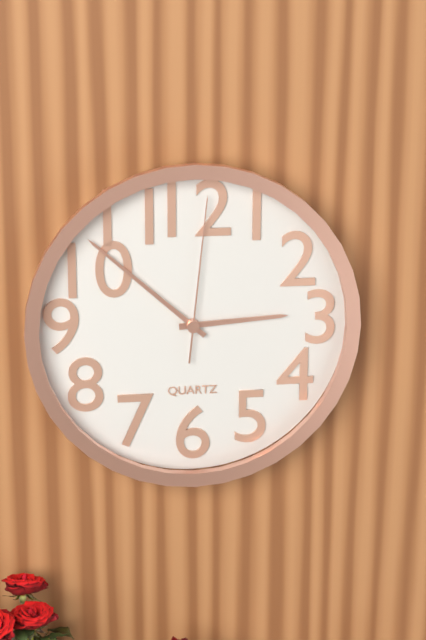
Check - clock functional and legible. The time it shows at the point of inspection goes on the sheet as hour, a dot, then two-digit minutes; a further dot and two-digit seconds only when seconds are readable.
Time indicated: 2.52.01
